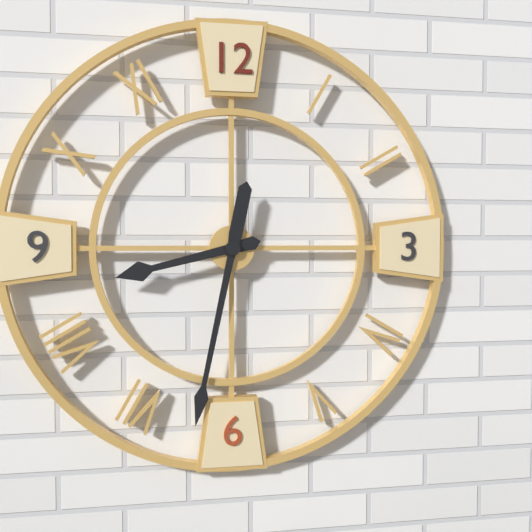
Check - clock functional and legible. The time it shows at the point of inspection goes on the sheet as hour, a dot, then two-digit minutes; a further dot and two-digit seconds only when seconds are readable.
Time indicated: 8.32
